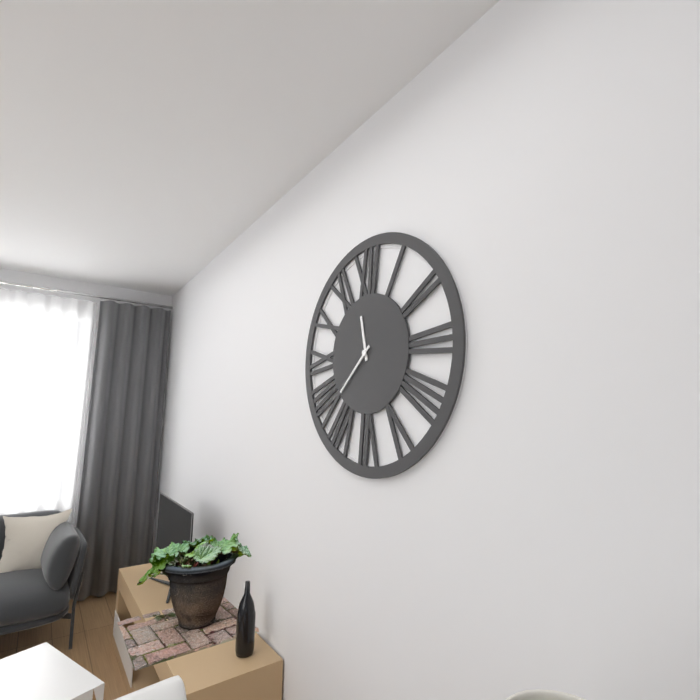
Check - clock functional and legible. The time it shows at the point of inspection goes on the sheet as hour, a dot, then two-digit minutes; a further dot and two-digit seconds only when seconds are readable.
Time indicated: 11.38
